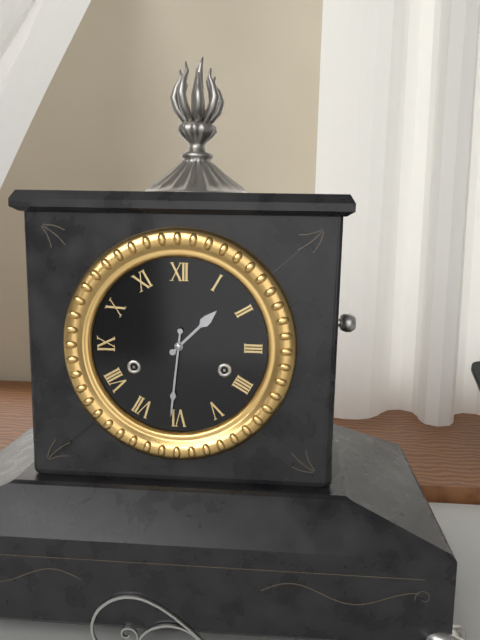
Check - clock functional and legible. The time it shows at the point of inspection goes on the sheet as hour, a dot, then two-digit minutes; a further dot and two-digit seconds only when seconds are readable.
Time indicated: 1.31
